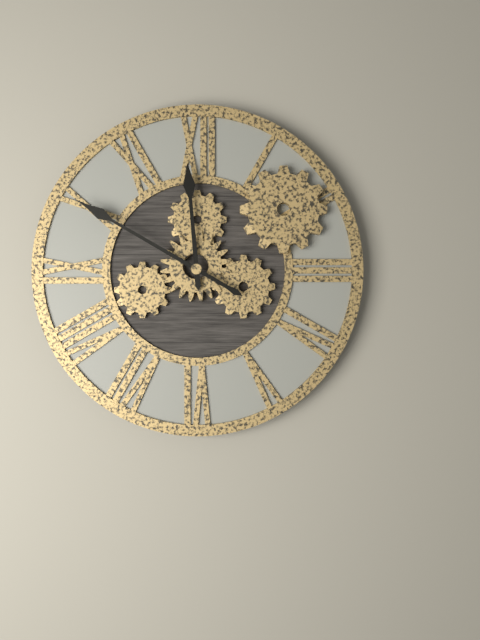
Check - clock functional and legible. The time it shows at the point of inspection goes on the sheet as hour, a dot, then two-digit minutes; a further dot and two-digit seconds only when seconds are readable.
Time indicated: 11.50
